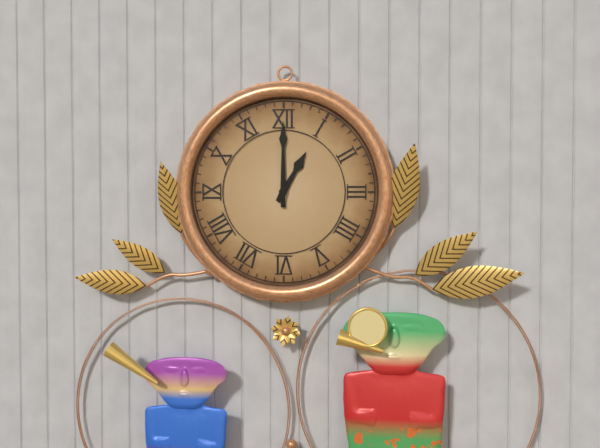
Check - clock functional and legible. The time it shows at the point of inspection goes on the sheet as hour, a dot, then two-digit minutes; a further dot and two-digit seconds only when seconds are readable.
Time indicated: 1.00
